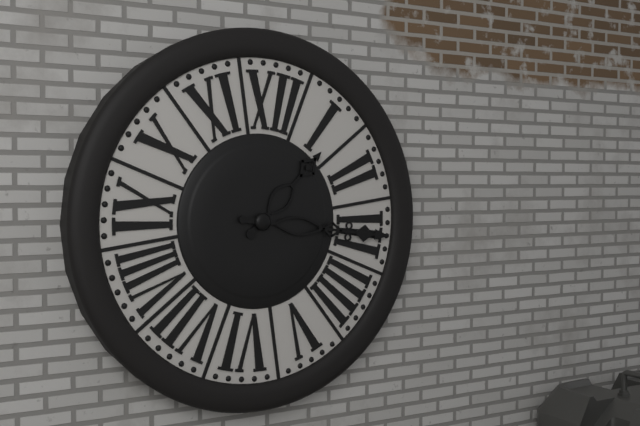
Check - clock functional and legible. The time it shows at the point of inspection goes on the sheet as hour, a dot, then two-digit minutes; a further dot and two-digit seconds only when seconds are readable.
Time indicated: 1.15
